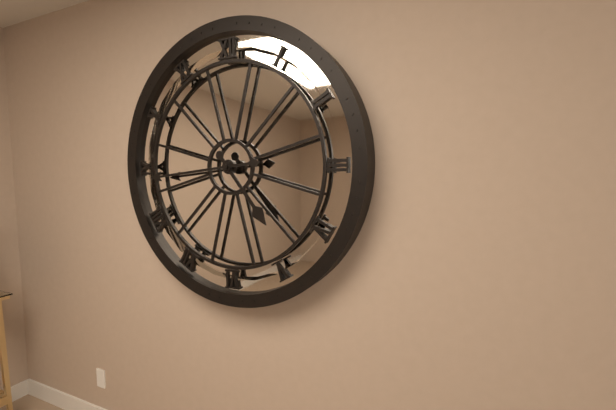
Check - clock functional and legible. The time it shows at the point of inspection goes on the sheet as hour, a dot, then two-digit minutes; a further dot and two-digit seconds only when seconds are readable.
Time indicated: 4.44
